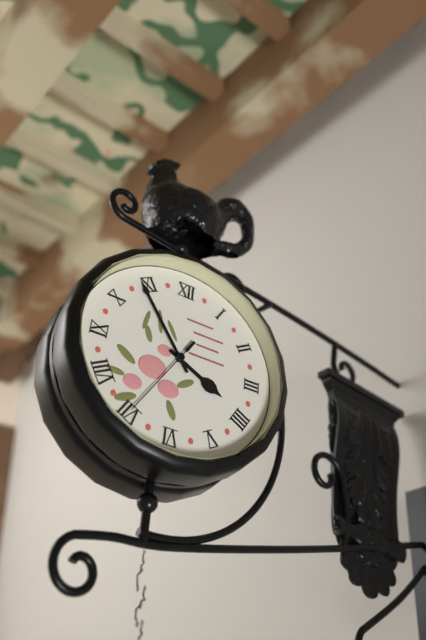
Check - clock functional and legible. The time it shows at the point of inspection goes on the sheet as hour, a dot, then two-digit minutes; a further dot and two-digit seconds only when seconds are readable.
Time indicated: 3.54.35
